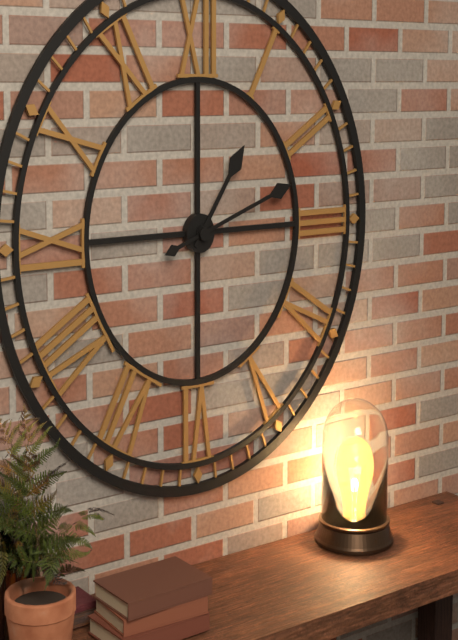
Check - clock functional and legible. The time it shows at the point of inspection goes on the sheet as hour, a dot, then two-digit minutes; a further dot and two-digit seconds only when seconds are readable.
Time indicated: 1.12
